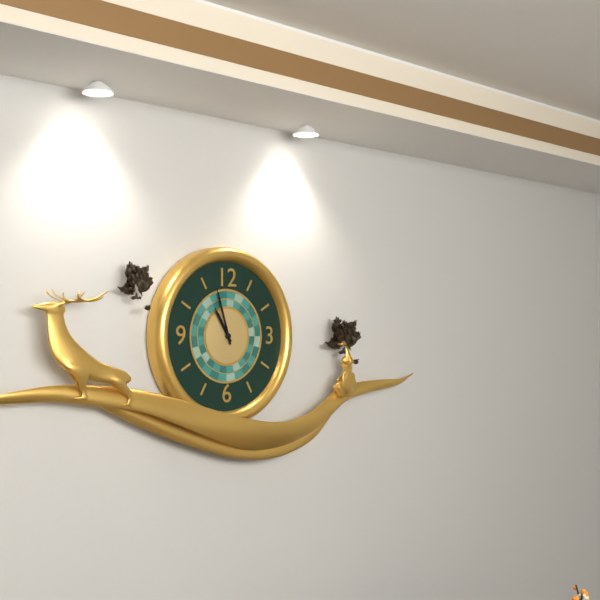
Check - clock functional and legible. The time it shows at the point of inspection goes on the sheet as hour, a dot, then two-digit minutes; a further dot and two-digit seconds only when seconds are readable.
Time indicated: 10.57
